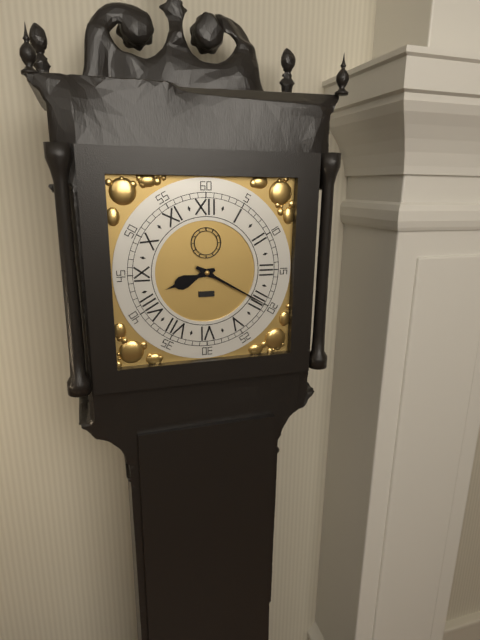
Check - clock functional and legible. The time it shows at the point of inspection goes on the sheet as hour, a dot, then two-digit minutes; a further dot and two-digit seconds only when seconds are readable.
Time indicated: 8.20
